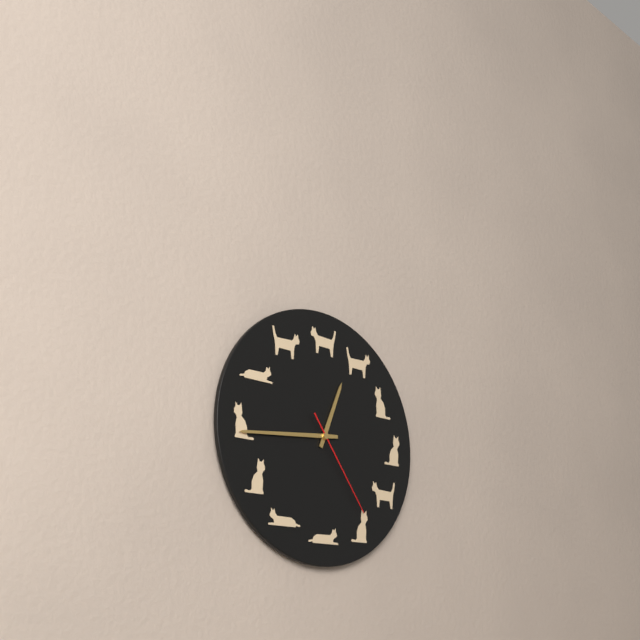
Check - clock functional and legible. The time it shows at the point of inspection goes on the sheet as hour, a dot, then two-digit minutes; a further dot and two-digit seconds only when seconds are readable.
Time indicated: 12.44.24
